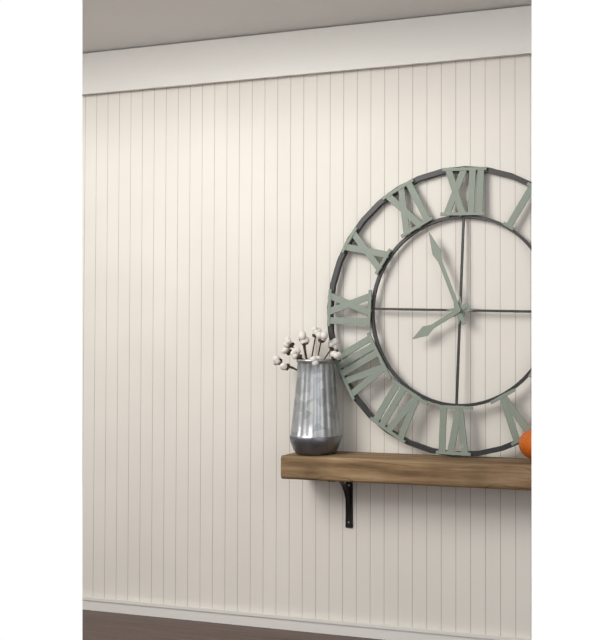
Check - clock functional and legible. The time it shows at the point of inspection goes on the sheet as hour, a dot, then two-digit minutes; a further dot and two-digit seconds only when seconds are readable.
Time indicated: 7.56
